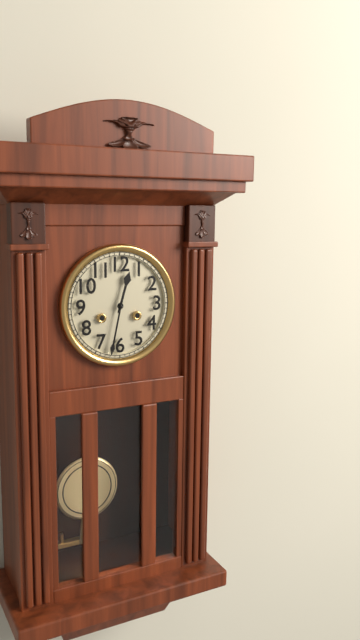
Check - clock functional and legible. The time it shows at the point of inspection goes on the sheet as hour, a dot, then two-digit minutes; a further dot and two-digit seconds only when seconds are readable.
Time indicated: 12.32
